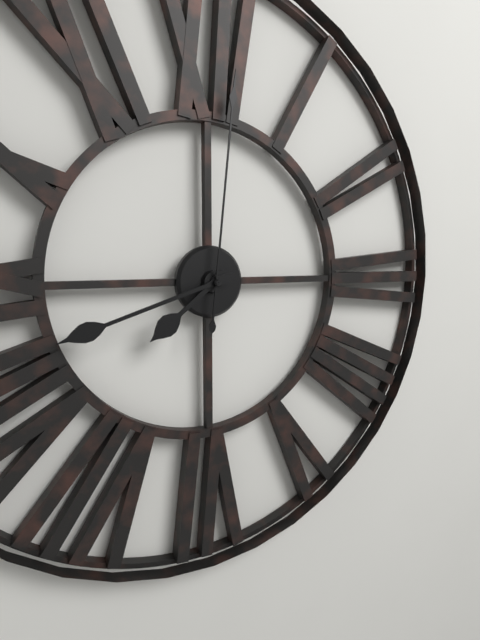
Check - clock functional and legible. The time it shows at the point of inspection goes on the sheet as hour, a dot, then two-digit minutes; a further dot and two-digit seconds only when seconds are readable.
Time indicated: 7.42.01
